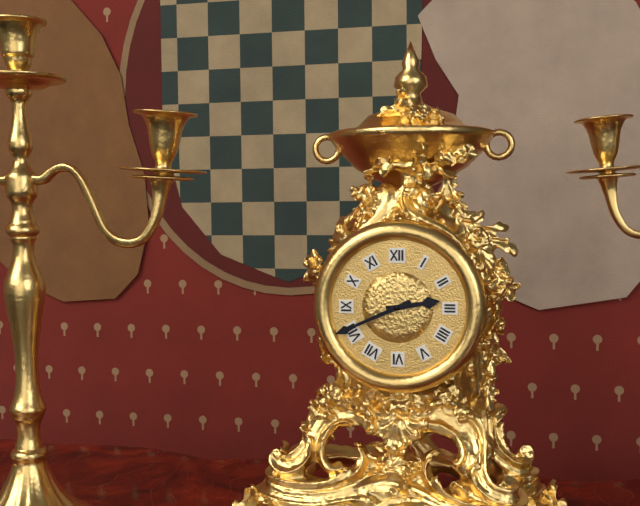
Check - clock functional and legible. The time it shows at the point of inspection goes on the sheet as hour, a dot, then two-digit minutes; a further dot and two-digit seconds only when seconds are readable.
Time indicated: 2.41
